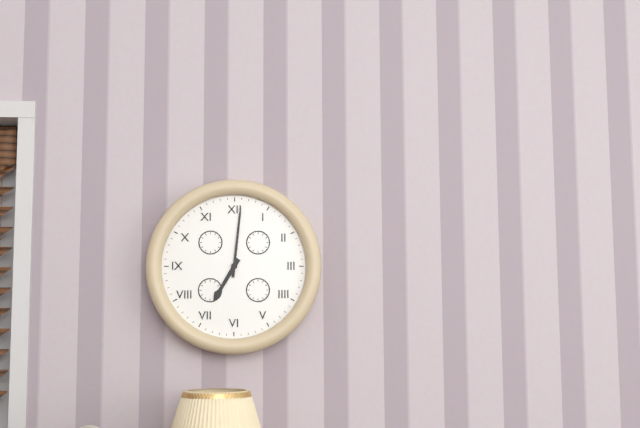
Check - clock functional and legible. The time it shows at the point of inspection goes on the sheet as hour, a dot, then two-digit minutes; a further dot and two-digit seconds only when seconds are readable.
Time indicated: 7.01
